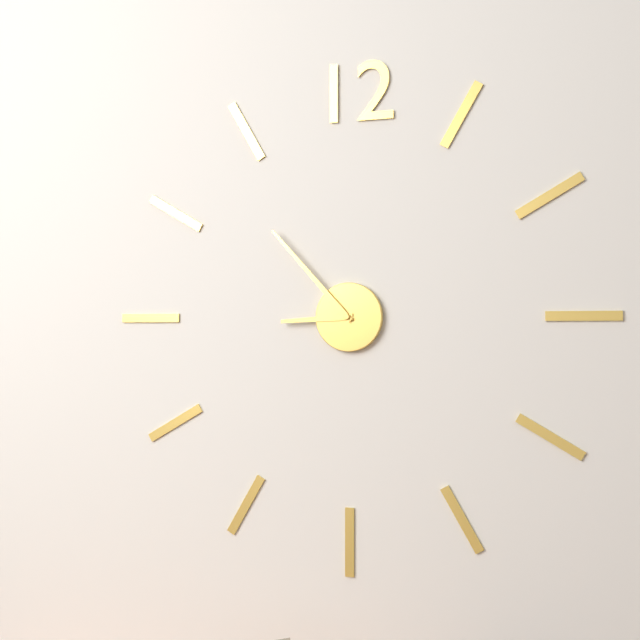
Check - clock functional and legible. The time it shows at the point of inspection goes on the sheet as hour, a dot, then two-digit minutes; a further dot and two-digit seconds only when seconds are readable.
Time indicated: 8.53
